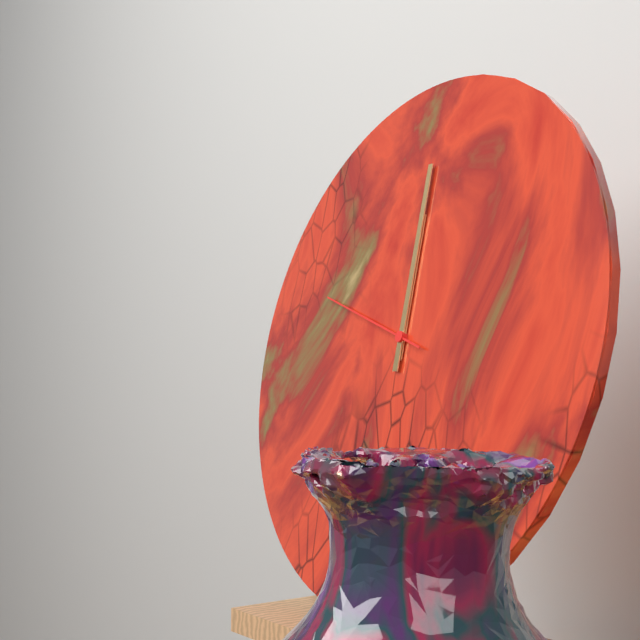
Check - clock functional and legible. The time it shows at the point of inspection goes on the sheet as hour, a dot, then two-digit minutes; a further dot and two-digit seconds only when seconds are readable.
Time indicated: 12.00.48
